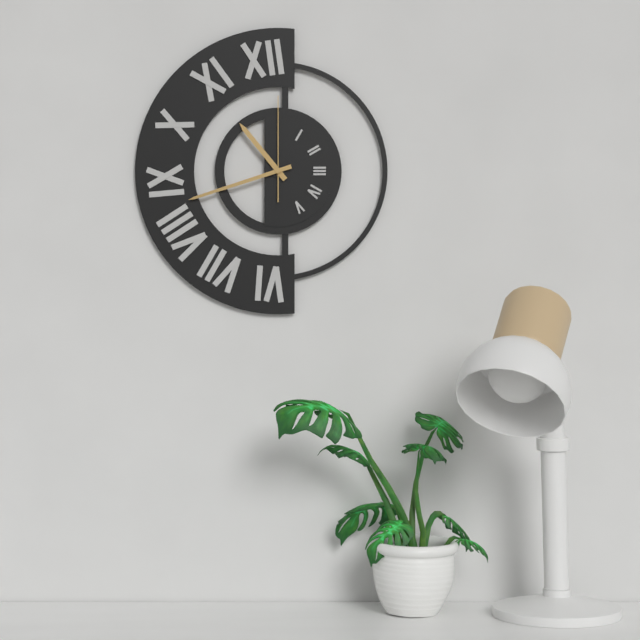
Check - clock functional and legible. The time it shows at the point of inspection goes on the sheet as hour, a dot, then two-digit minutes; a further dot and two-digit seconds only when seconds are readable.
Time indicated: 10.42.00
